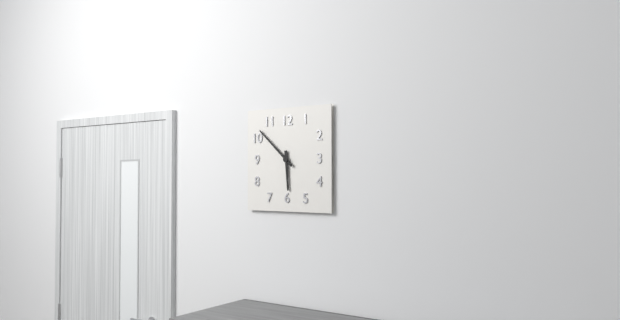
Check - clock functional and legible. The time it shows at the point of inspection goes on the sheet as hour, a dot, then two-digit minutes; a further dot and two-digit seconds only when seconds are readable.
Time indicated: 5.52
